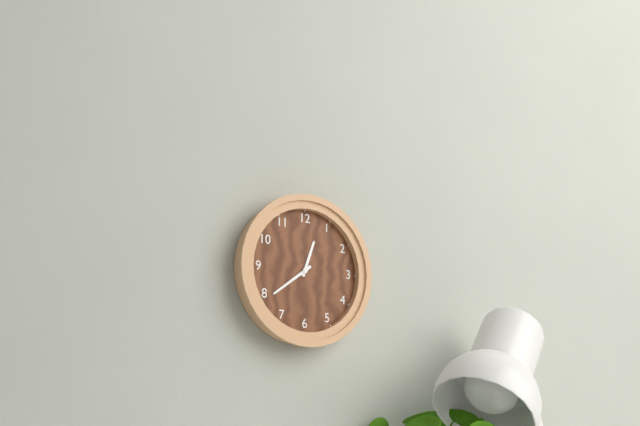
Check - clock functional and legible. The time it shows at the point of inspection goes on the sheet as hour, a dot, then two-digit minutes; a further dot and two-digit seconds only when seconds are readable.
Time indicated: 12.39
